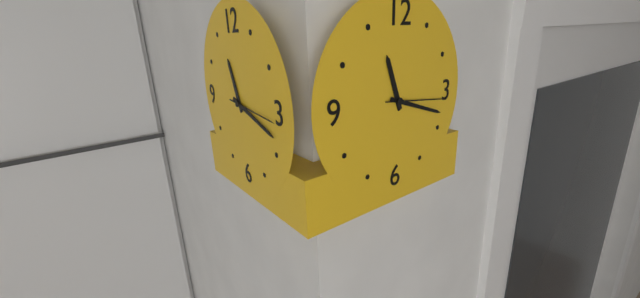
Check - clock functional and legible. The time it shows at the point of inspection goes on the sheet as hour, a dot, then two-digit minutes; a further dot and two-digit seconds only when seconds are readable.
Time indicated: 11.18.16
